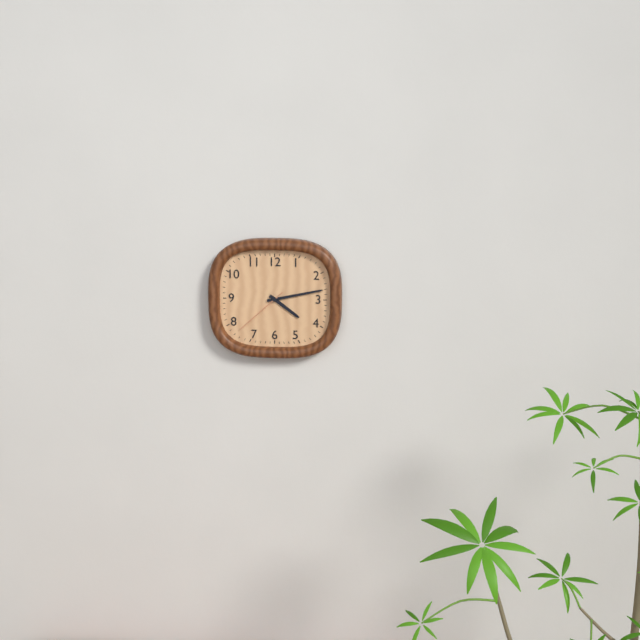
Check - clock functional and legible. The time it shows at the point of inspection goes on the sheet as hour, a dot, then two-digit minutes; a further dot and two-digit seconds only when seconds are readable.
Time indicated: 4.13.38
